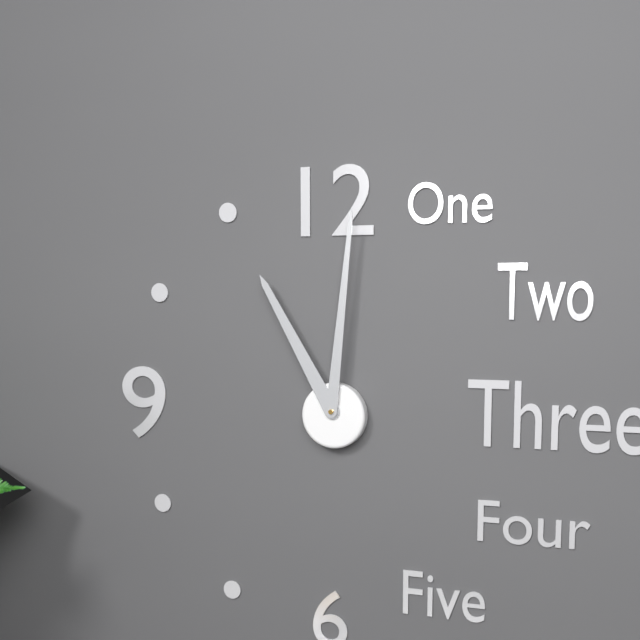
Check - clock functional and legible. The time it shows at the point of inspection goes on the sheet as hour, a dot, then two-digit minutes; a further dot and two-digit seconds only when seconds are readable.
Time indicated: 11.01
